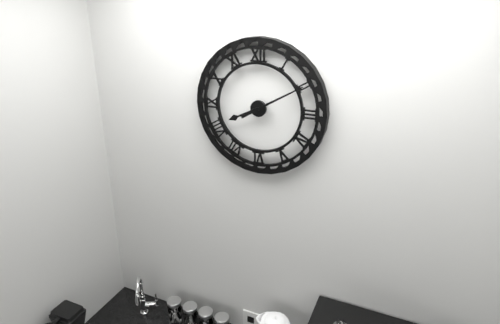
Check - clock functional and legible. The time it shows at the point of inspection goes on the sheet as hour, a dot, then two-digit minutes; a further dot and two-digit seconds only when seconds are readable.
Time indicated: 8.10
